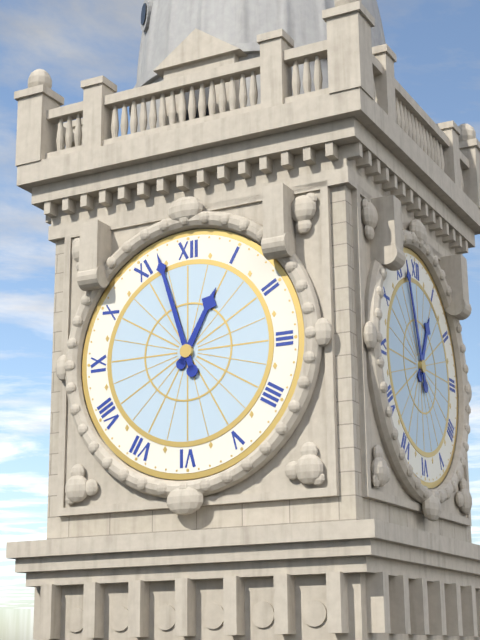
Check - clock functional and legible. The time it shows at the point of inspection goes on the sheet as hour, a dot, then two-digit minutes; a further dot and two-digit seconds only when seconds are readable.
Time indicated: 12.57
